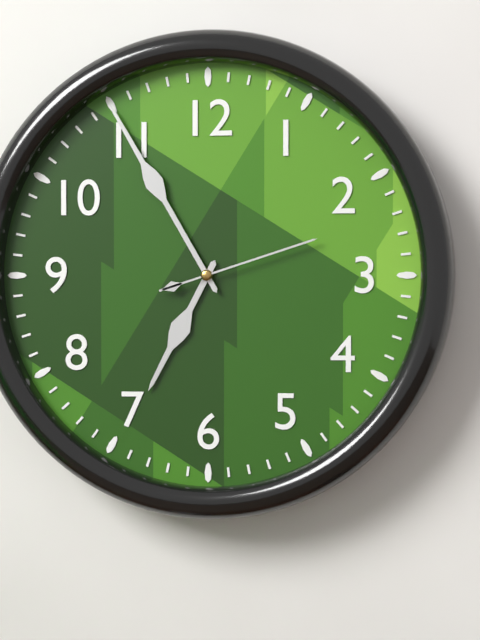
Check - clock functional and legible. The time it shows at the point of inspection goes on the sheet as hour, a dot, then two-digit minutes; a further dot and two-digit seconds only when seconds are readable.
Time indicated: 6.55.12
